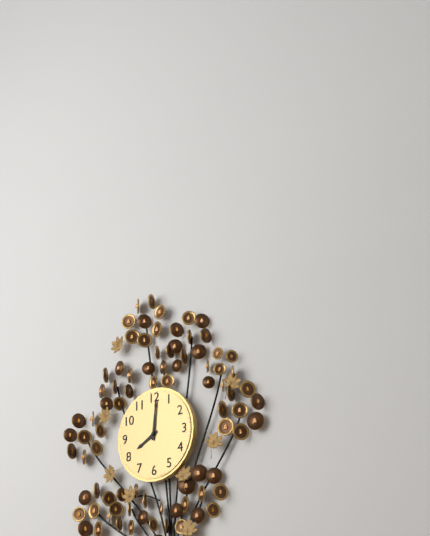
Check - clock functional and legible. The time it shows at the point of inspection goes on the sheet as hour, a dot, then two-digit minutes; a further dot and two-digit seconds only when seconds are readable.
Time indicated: 8.01
